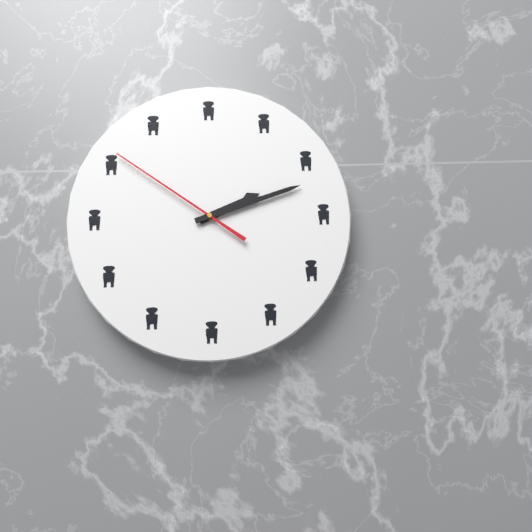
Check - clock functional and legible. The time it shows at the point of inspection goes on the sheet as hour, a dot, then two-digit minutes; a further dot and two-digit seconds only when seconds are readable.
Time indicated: 2.12.51
